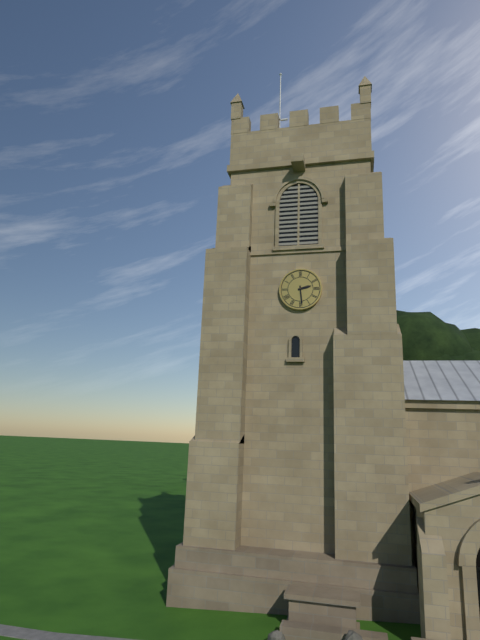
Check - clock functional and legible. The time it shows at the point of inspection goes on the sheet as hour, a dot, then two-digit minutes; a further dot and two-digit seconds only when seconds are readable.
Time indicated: 2.29
